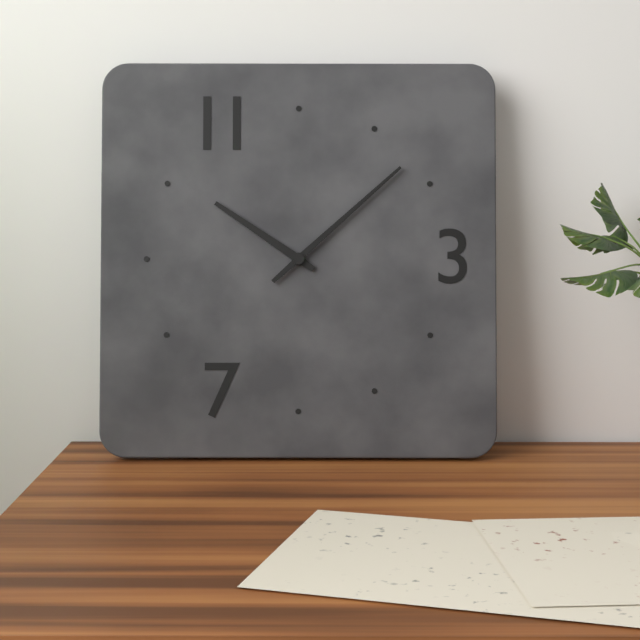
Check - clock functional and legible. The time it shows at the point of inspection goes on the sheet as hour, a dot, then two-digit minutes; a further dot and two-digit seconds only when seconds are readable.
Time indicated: 10.08
